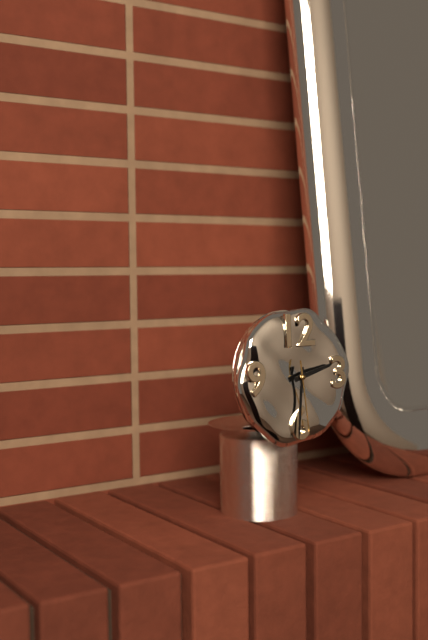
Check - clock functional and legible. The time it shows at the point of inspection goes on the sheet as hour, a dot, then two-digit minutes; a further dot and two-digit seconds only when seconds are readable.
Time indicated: 2.31.29
